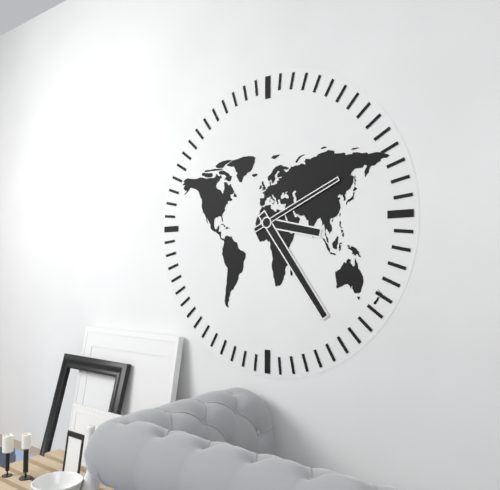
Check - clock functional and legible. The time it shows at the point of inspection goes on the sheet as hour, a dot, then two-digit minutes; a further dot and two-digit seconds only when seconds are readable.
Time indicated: 3.24.11
